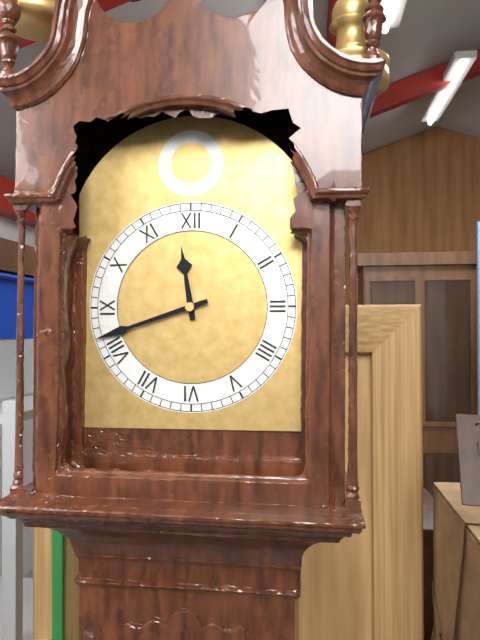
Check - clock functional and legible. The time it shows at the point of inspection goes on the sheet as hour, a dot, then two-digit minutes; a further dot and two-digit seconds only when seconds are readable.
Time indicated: 11.42
